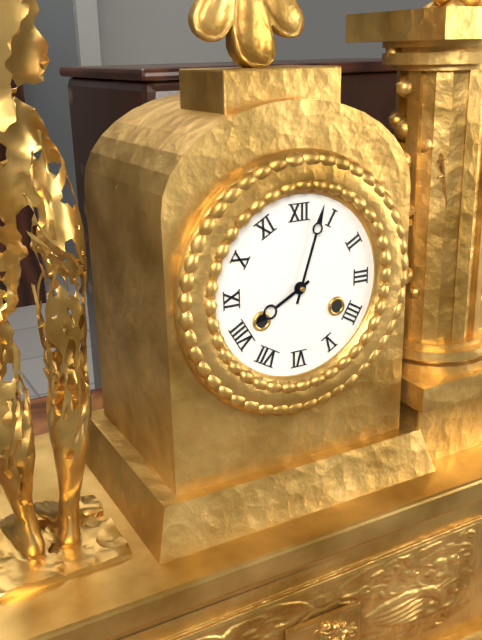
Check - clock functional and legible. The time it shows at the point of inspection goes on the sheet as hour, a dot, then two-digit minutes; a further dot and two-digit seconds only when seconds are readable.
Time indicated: 8.03
